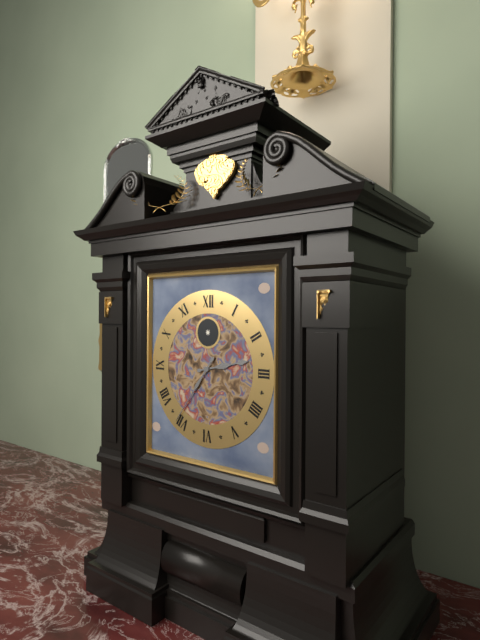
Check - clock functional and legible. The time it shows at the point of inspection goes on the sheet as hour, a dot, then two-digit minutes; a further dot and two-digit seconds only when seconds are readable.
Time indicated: 2.36
